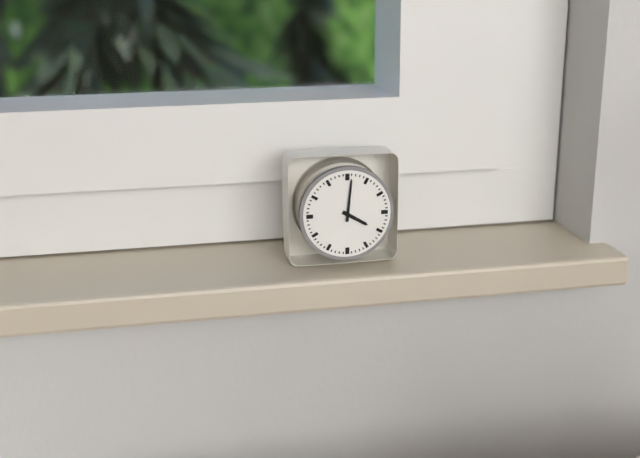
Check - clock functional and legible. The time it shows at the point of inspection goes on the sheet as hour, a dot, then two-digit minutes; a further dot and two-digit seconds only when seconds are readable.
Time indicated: 4.01
